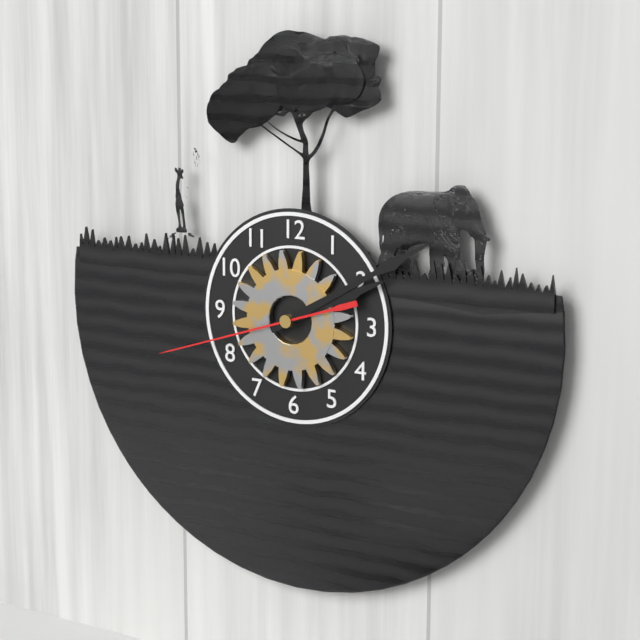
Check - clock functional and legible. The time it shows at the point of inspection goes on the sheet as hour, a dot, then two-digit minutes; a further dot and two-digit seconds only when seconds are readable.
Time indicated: 2.10.42
